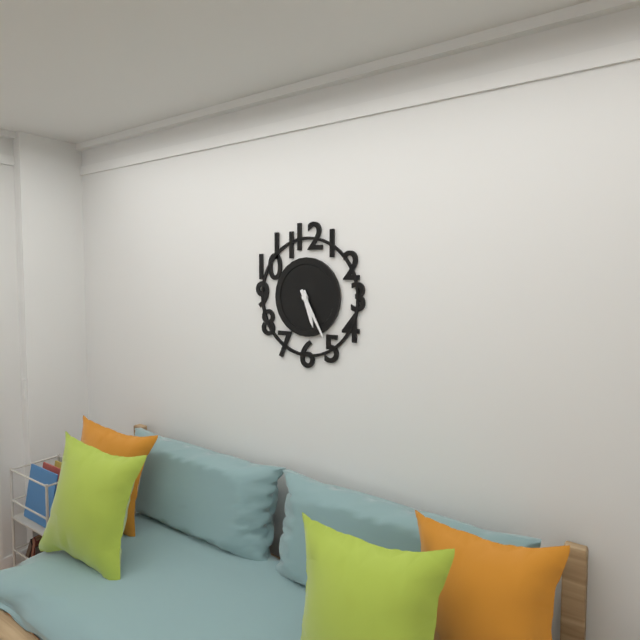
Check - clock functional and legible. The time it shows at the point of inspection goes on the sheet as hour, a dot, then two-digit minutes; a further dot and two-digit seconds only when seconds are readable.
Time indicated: 5.25
